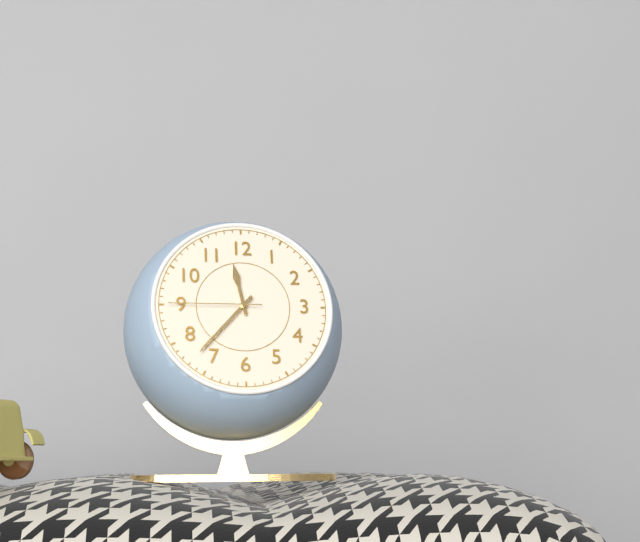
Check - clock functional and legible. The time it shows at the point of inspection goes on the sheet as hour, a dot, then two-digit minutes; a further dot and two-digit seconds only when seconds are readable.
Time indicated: 11.37.45
